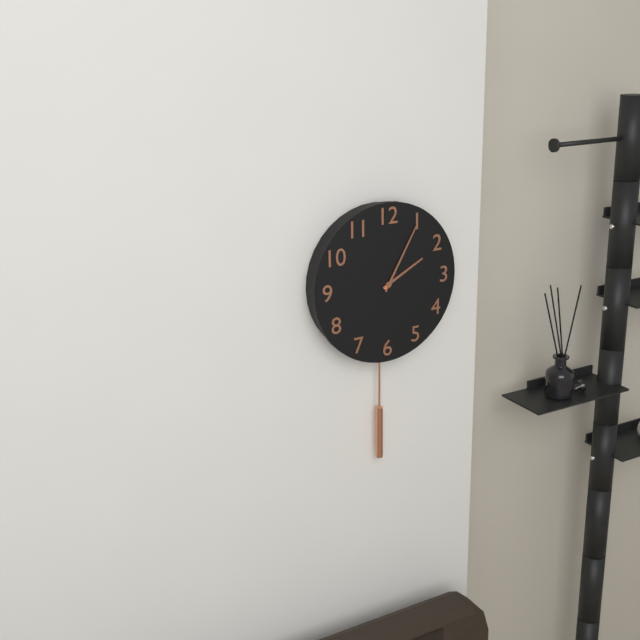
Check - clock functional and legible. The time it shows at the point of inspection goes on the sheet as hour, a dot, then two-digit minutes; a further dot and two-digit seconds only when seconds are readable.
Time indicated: 2.05
